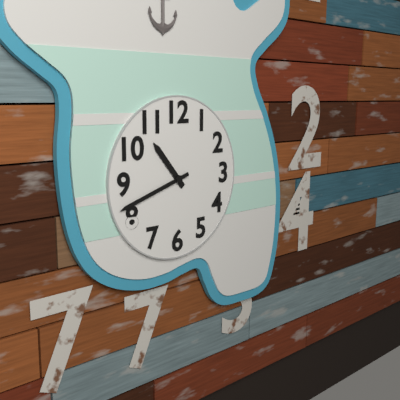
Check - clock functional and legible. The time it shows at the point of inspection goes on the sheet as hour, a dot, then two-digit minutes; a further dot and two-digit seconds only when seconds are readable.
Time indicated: 10.42
